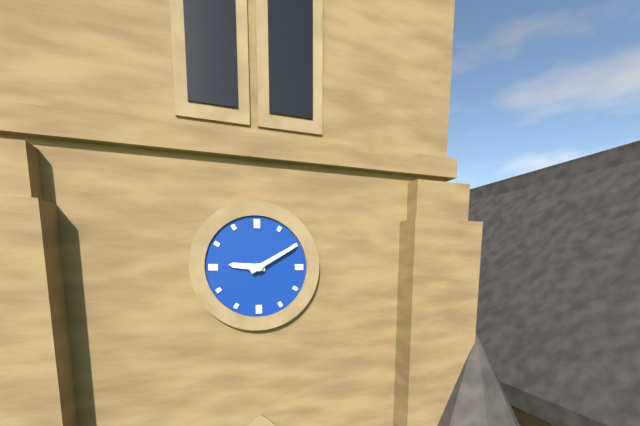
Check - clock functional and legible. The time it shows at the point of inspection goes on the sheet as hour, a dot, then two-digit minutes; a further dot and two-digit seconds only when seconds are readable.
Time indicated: 9.10
